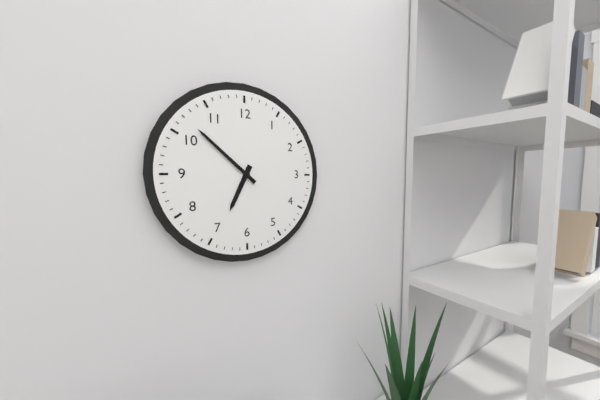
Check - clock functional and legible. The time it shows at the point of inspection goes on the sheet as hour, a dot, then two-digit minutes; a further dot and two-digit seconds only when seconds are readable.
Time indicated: 6.52
